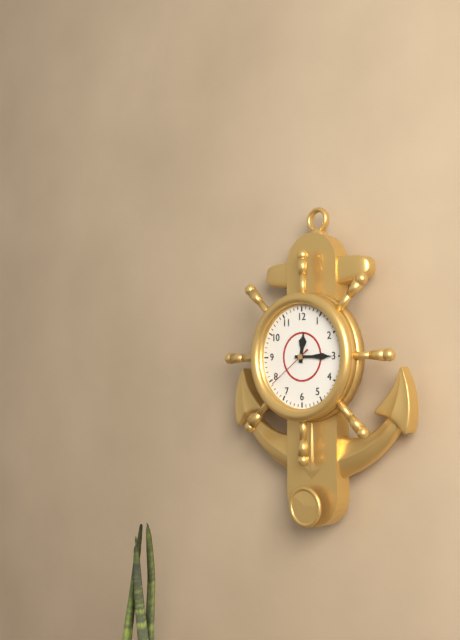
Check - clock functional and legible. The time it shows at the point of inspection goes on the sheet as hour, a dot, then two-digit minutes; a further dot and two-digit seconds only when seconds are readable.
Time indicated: 12.15
